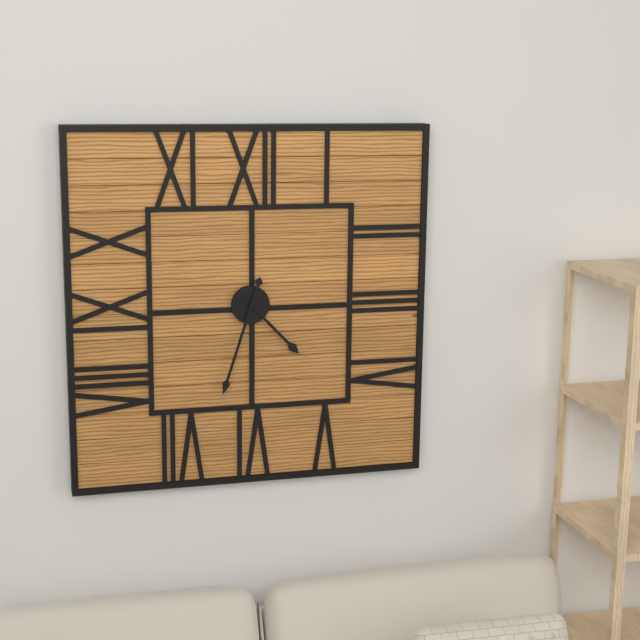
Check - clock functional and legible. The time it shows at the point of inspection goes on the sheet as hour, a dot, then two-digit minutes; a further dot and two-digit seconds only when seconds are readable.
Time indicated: 4.33
